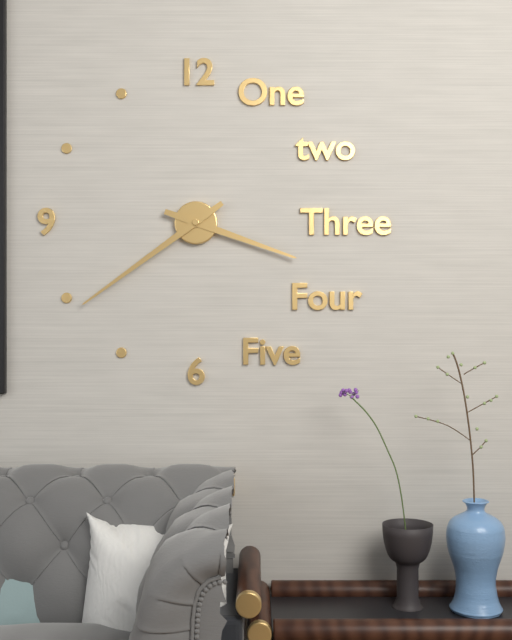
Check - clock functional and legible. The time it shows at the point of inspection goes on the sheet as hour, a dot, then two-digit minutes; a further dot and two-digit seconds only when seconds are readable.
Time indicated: 3.39
